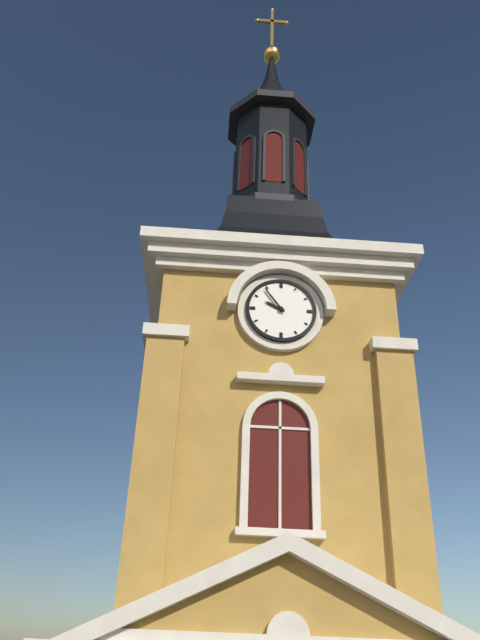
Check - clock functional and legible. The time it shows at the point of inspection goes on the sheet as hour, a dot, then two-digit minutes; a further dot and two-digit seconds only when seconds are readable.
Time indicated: 9.54
